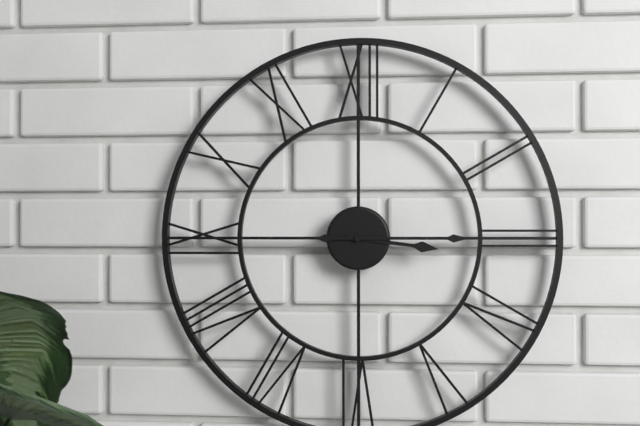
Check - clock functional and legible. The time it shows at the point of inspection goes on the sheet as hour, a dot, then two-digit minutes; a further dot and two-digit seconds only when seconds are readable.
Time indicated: 3.15
